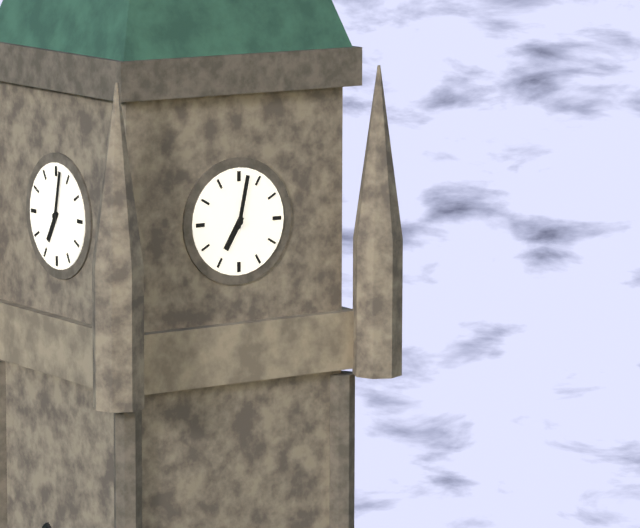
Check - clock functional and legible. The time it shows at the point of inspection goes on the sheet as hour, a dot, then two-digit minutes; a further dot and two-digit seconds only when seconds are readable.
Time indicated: 7.02
